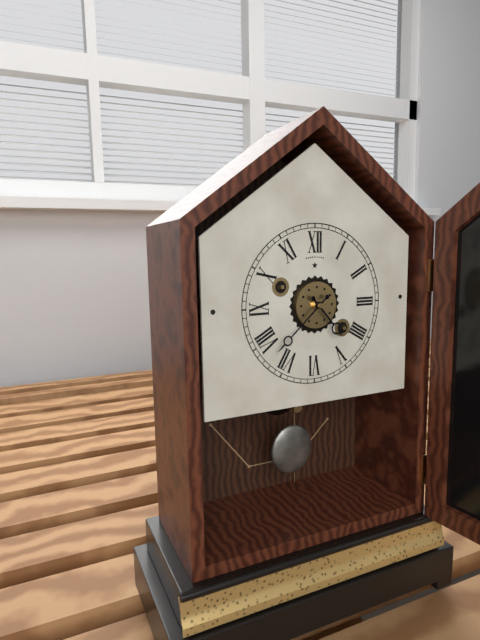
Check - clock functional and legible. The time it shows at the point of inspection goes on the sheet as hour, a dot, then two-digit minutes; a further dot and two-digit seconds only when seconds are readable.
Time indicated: 4.38
